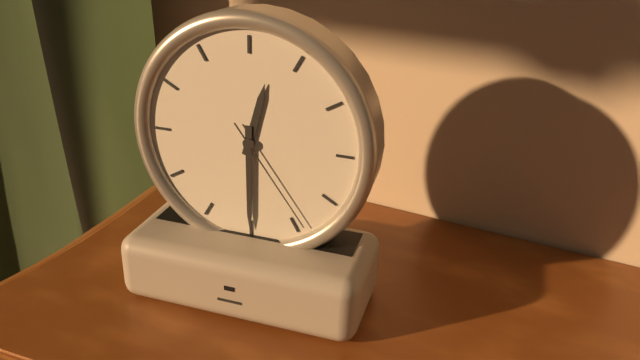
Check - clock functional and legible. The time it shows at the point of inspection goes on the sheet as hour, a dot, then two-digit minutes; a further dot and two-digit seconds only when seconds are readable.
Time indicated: 12.30.24
